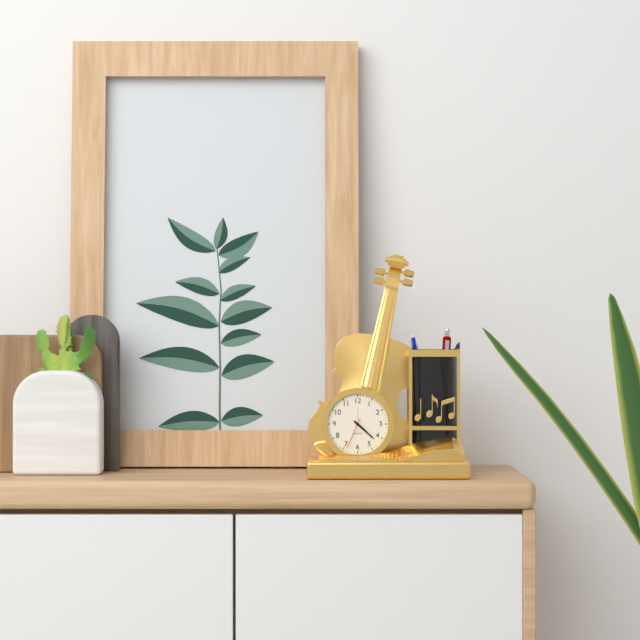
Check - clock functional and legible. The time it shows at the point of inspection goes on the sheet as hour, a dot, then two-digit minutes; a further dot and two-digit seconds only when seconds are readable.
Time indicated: 4.22
